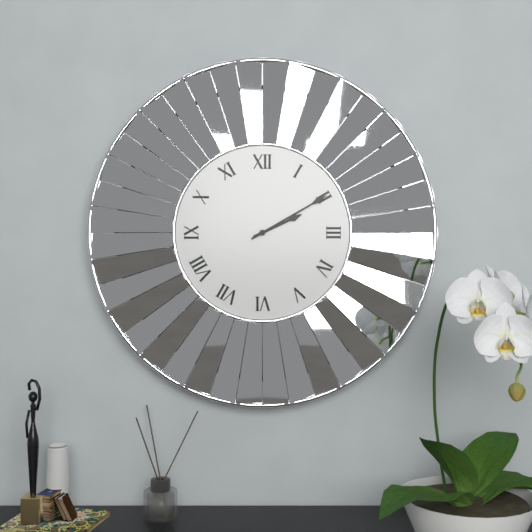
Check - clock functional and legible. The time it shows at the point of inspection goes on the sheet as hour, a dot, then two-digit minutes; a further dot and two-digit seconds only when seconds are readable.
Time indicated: 2.10
